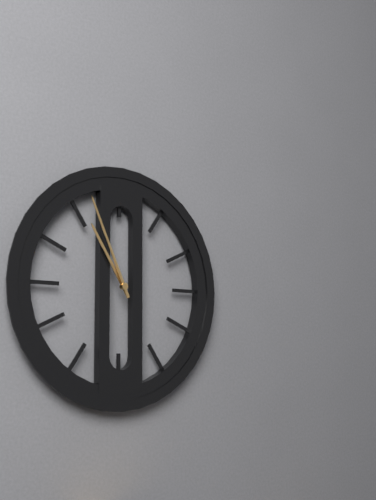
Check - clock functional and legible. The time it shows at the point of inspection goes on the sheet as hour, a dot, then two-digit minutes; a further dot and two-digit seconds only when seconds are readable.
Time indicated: 10.56
